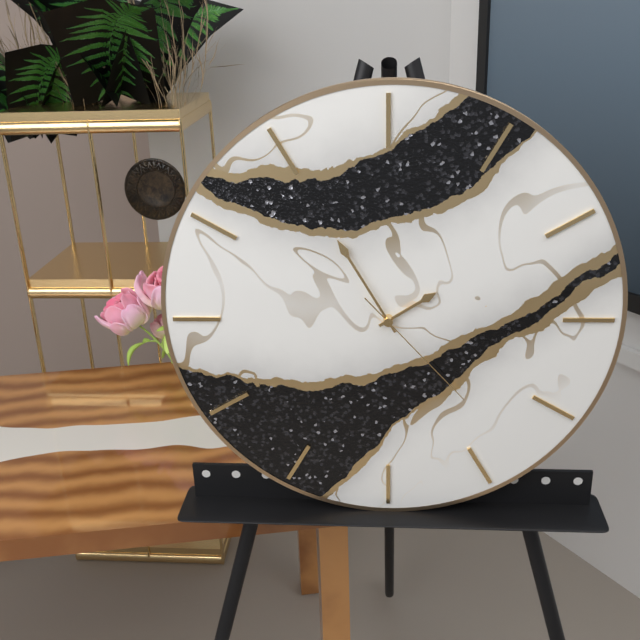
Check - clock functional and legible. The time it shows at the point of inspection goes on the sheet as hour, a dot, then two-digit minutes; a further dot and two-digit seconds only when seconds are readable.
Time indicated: 1.55.23
